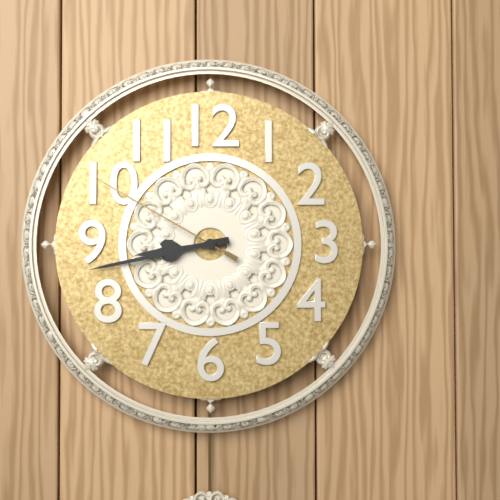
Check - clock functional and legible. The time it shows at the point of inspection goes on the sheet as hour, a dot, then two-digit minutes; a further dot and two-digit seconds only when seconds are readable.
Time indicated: 8.43.50
